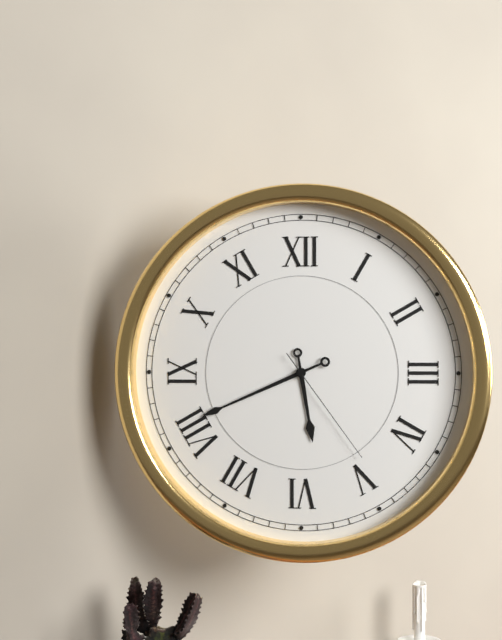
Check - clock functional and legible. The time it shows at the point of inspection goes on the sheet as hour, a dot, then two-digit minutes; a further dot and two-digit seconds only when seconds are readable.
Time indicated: 5.41.24
